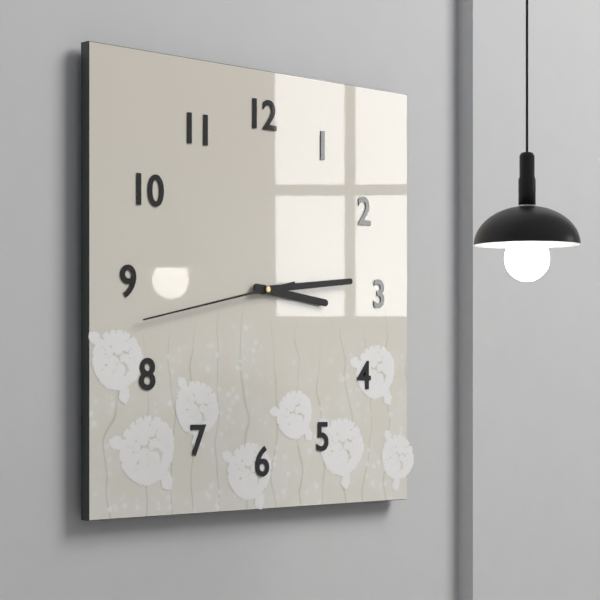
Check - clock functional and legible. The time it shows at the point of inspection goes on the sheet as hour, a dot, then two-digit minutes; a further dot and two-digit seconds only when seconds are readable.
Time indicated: 3.14.43
